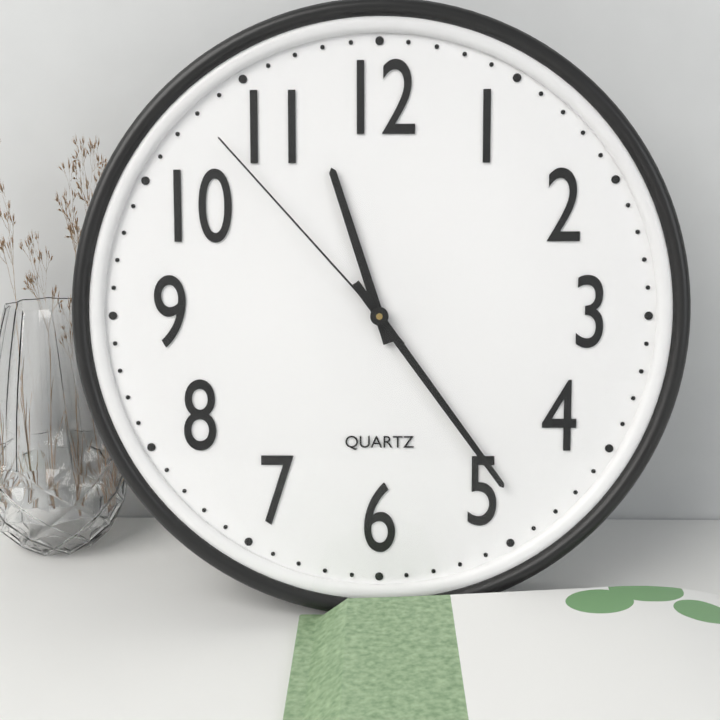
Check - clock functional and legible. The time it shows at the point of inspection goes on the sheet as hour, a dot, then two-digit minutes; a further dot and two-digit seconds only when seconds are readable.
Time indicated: 11.24.53
